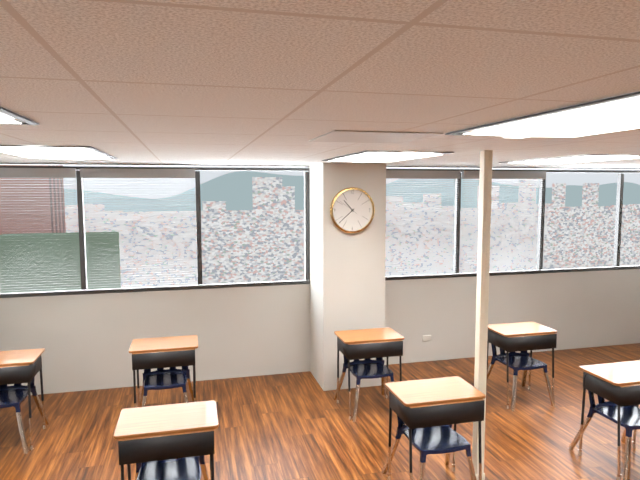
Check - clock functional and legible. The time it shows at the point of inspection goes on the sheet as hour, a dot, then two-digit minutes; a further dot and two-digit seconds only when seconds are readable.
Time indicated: 10.38
